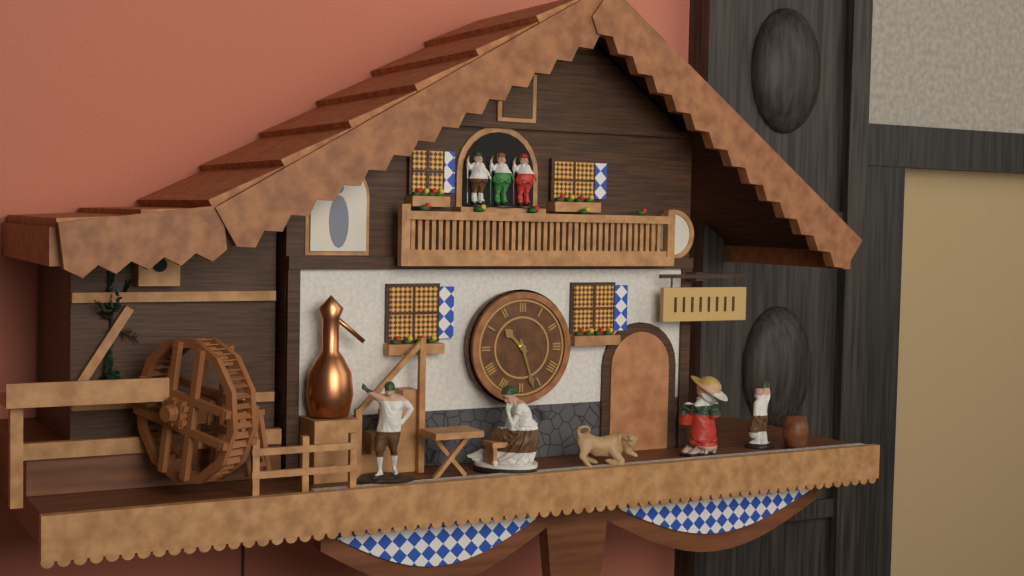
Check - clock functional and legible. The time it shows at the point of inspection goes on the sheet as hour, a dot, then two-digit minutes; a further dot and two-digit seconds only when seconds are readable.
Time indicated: 10.27
